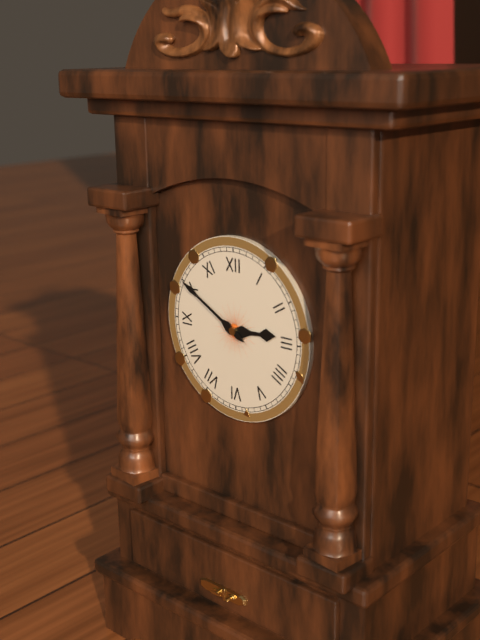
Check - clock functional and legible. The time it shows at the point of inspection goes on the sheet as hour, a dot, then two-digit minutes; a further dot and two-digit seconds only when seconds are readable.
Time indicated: 2.50
